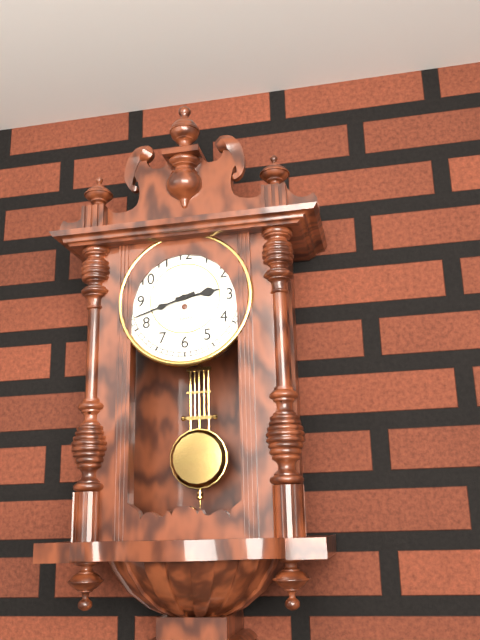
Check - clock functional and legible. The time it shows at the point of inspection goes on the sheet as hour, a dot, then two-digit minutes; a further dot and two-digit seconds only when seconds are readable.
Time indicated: 2.42
